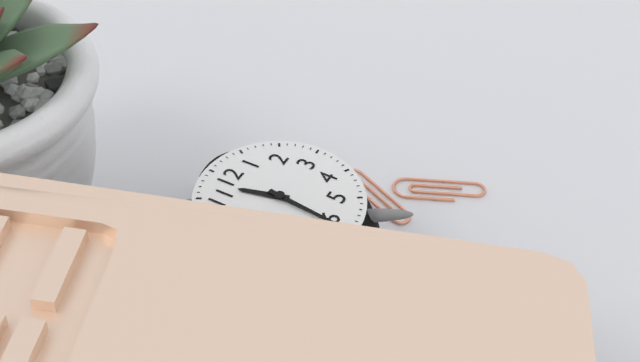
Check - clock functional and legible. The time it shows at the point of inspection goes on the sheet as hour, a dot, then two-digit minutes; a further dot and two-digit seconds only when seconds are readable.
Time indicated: 11.31
